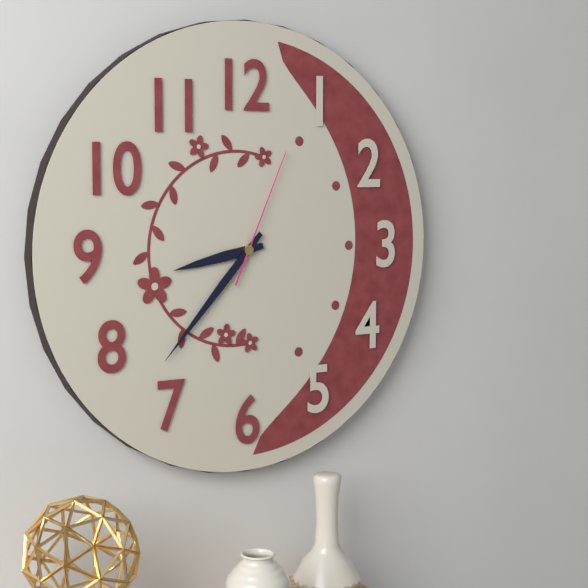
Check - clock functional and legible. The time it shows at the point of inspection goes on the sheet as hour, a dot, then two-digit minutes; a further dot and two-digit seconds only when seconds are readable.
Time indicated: 8.37.04
